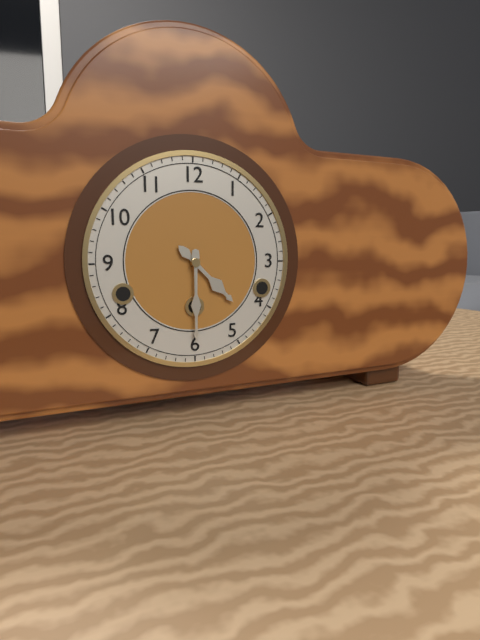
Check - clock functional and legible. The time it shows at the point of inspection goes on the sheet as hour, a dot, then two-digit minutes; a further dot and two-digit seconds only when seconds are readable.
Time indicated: 4.30
